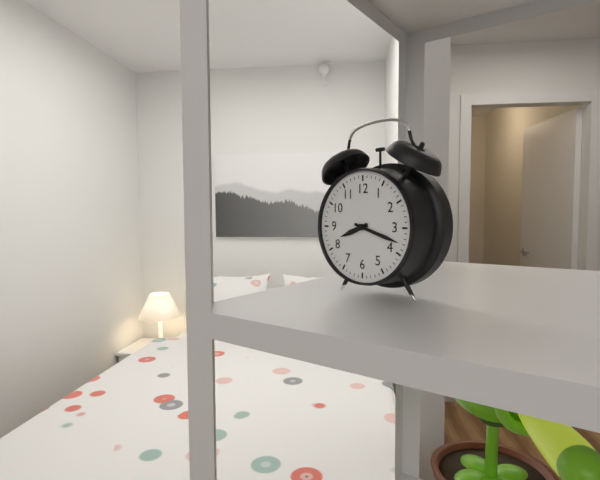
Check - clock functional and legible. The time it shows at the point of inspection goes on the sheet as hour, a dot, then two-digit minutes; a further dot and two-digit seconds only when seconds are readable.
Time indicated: 8.18
